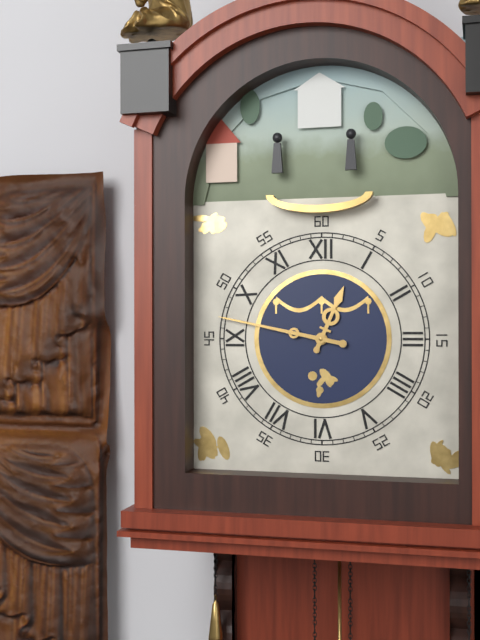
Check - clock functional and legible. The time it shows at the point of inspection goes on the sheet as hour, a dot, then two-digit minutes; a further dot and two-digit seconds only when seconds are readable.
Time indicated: 12.47
